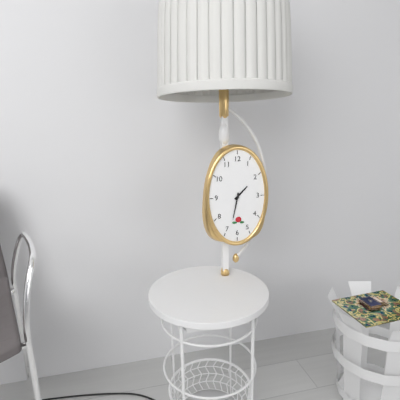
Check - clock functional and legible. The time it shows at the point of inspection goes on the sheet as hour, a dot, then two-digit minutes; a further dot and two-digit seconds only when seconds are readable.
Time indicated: 1.32
